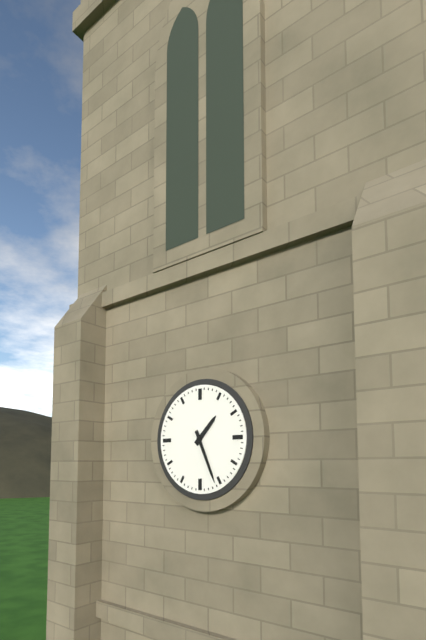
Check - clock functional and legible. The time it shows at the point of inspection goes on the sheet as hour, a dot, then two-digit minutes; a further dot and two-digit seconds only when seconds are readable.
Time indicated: 1.26
